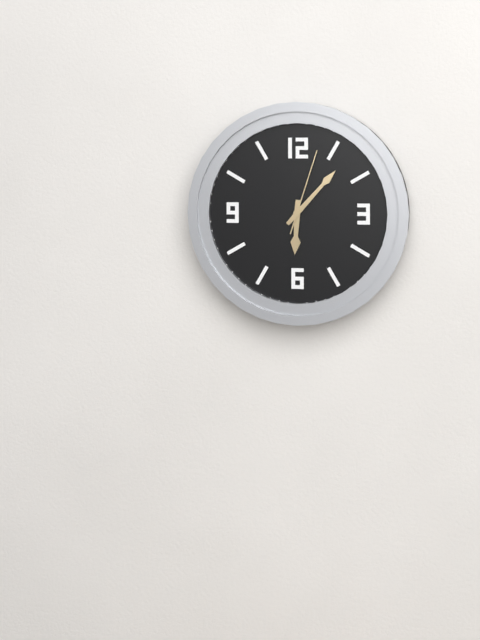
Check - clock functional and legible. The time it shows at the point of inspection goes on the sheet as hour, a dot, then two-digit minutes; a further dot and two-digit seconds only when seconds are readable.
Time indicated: 6.07.03
